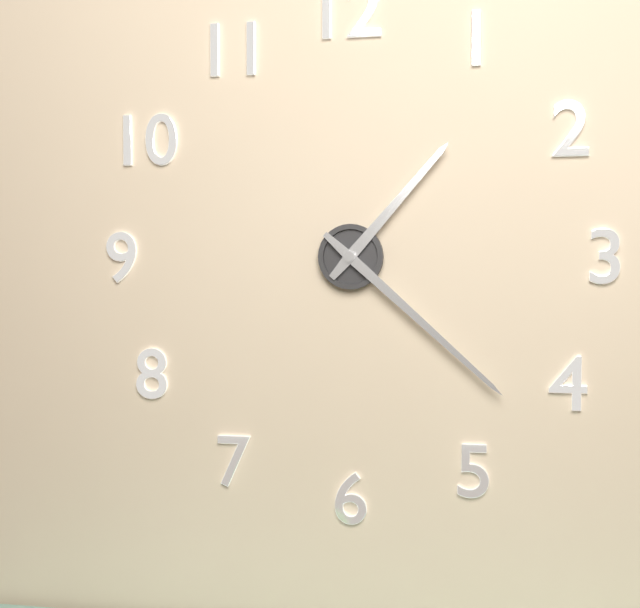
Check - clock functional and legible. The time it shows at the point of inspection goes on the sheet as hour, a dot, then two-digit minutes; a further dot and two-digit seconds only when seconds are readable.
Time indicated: 1.22
